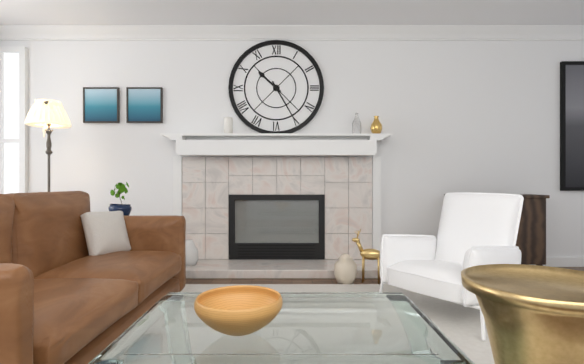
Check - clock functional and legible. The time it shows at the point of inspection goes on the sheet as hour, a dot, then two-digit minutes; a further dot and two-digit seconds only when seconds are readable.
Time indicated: 10.25
